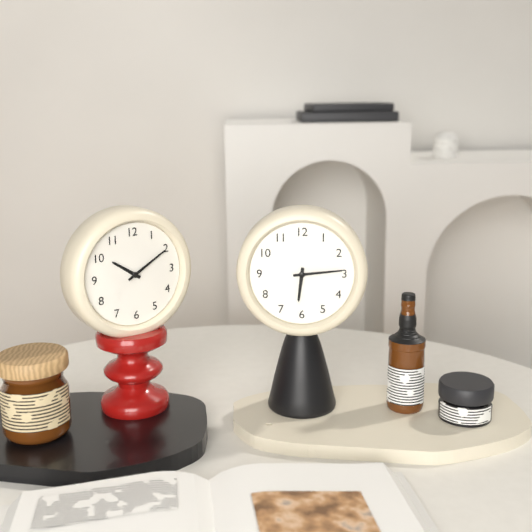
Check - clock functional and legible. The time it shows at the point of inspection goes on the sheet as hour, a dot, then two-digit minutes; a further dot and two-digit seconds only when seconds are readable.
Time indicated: 6.14
